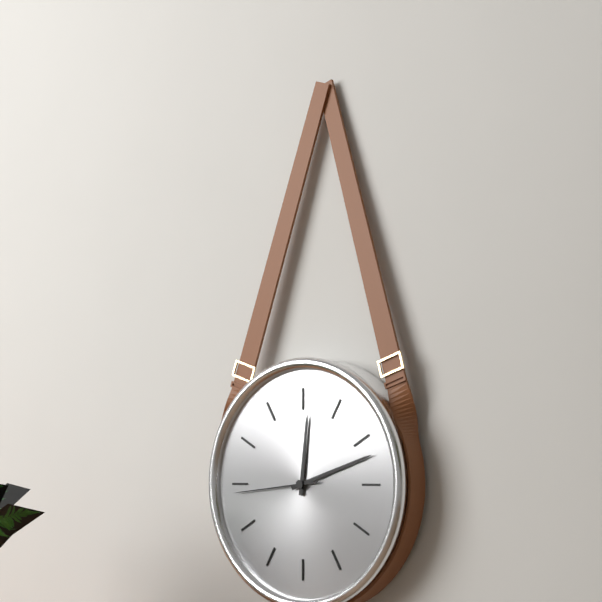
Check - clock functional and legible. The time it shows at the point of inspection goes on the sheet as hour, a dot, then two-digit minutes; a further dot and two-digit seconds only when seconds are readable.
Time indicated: 12.12.44
